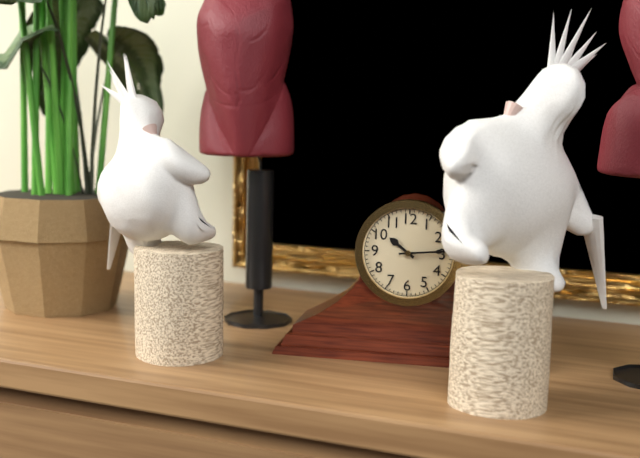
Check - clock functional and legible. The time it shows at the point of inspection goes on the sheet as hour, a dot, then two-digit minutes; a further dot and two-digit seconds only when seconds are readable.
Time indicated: 10.14
